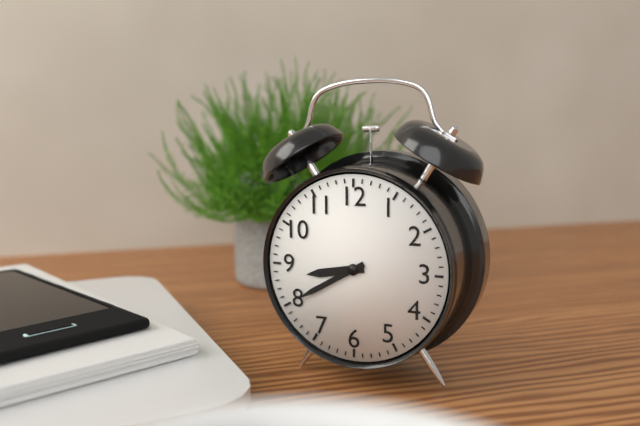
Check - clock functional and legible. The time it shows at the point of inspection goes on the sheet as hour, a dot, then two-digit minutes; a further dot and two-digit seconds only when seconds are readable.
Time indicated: 8.40
